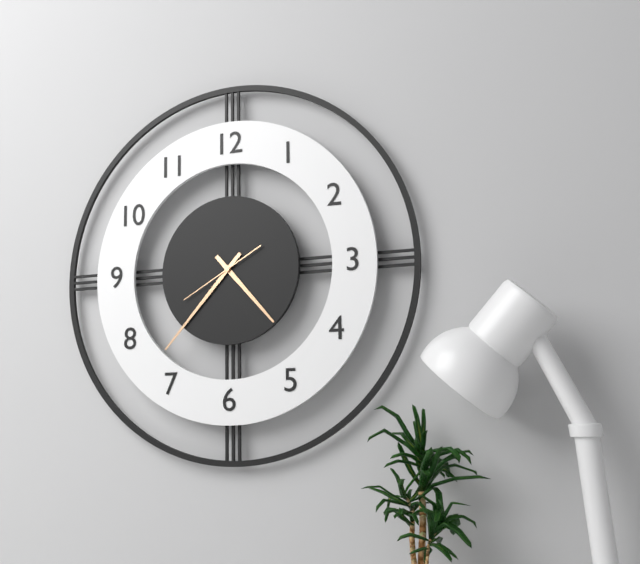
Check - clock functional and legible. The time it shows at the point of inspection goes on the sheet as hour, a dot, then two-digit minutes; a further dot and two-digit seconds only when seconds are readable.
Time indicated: 4.37.40
